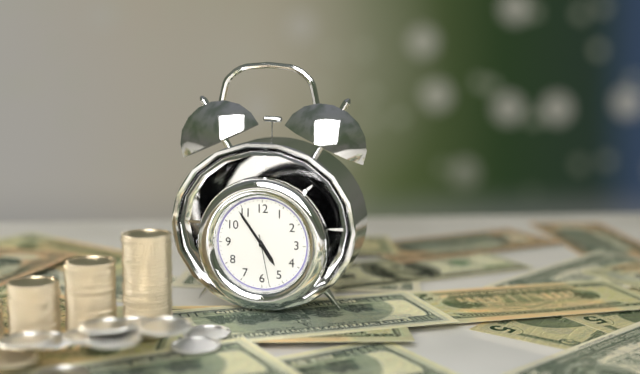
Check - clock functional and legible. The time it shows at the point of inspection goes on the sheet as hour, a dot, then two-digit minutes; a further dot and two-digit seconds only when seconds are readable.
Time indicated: 4.54.28
